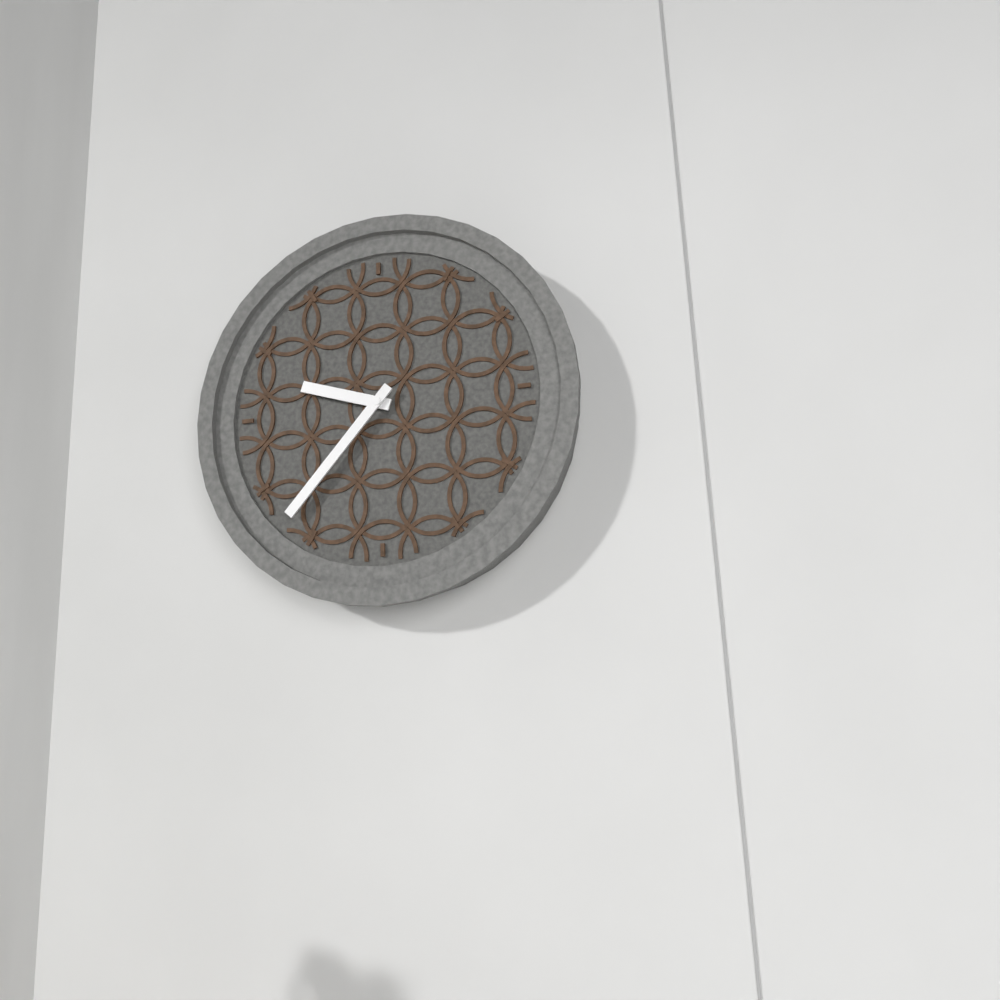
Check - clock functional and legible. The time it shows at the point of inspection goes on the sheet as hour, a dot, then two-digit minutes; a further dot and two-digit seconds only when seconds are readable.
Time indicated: 9.37
